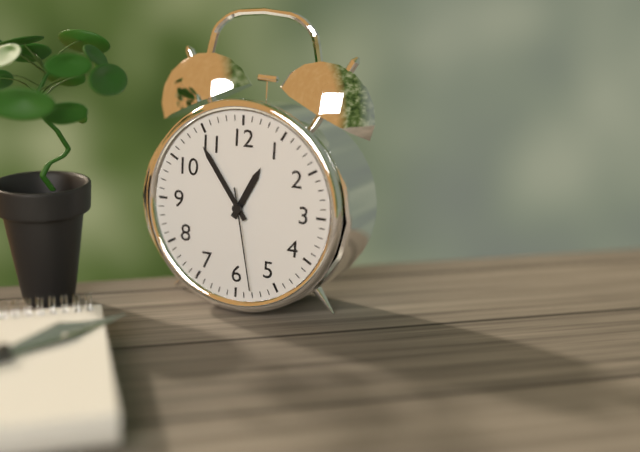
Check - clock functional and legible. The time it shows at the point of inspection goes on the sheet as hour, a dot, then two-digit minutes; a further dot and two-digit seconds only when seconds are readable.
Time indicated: 12.54.28
